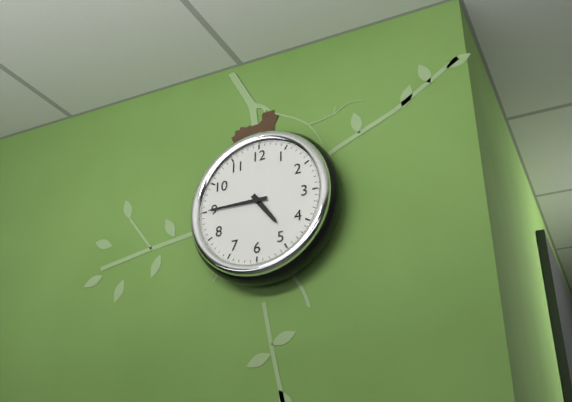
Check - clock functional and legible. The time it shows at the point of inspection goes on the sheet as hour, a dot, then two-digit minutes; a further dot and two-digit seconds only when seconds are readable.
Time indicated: 4.45
